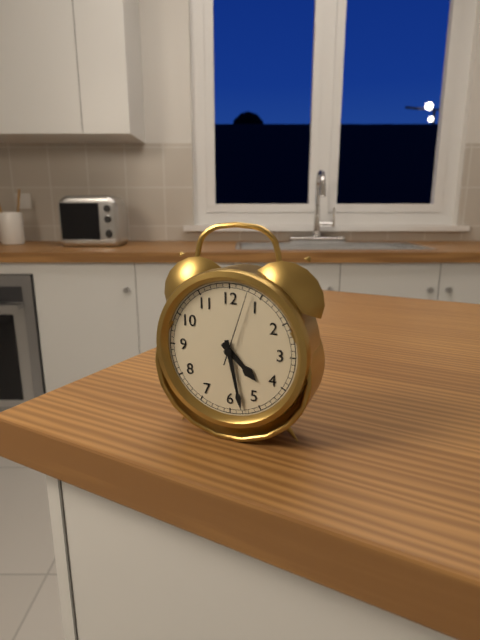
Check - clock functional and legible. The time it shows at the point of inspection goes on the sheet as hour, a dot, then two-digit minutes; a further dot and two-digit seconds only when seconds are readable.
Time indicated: 4.28.03
